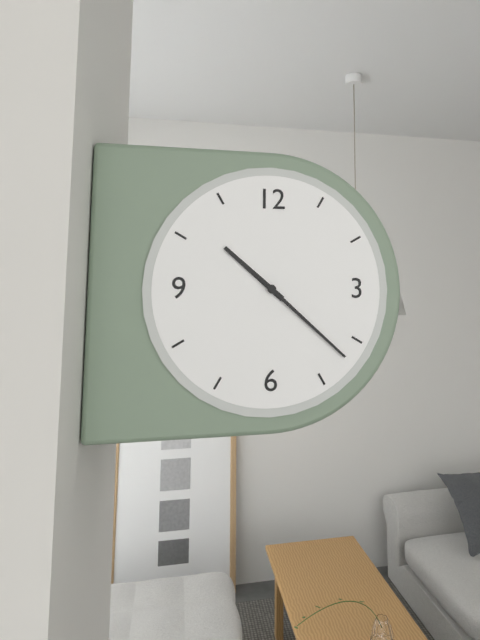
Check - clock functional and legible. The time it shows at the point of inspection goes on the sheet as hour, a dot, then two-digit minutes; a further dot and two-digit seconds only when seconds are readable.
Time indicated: 10.22
